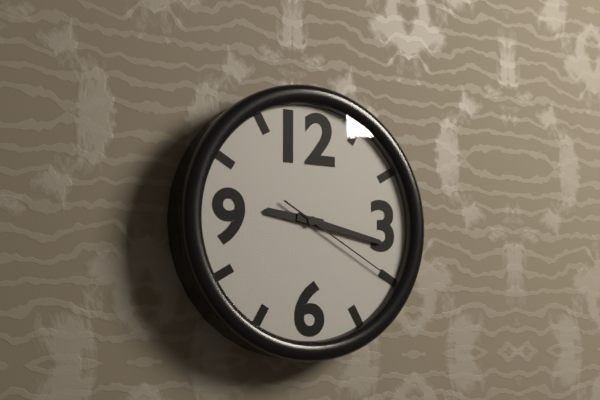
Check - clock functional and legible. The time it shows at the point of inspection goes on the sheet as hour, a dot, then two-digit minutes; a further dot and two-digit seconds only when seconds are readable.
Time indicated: 9.17.20
